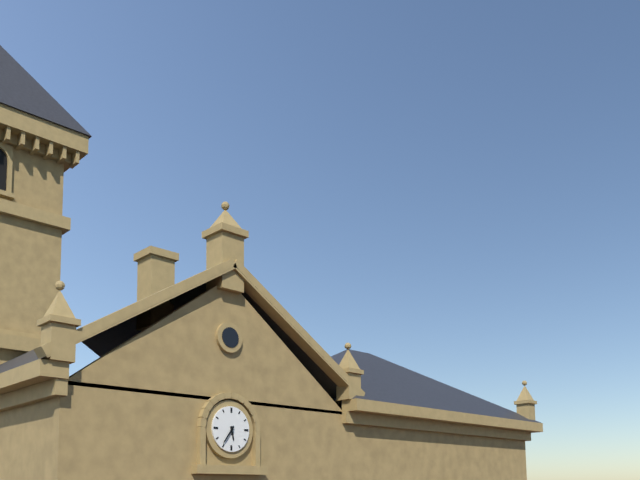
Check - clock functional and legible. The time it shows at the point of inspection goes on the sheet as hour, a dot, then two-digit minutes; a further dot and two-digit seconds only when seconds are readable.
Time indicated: 5.36
